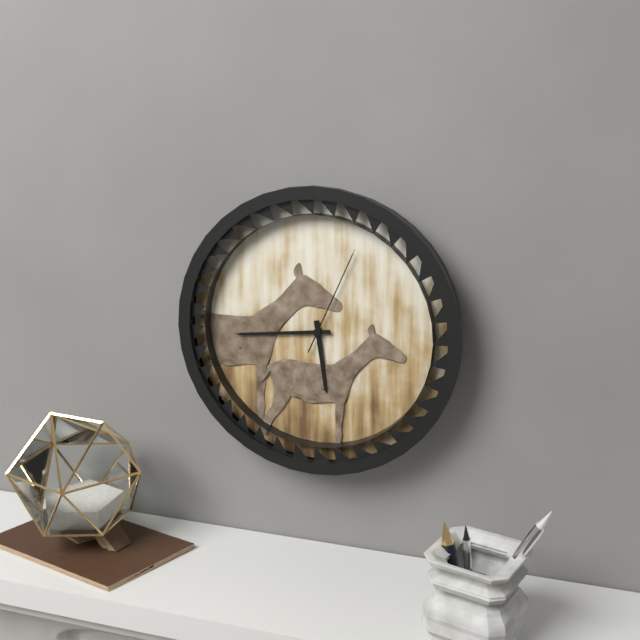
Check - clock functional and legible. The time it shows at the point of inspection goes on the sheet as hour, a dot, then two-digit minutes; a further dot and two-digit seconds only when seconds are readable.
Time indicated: 5.44.04
